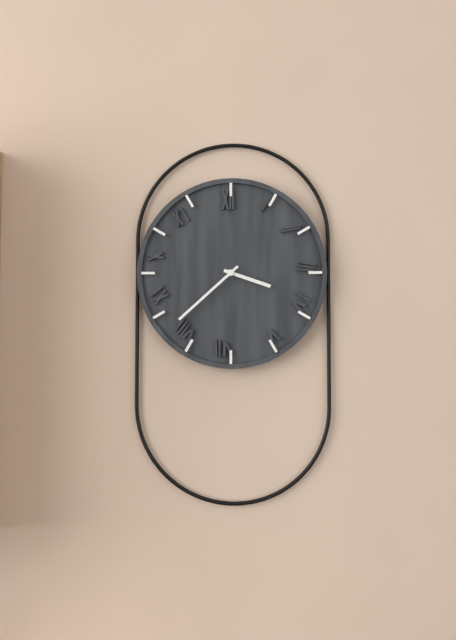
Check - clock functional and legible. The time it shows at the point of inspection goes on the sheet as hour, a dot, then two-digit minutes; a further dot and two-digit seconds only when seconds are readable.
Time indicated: 3.38
